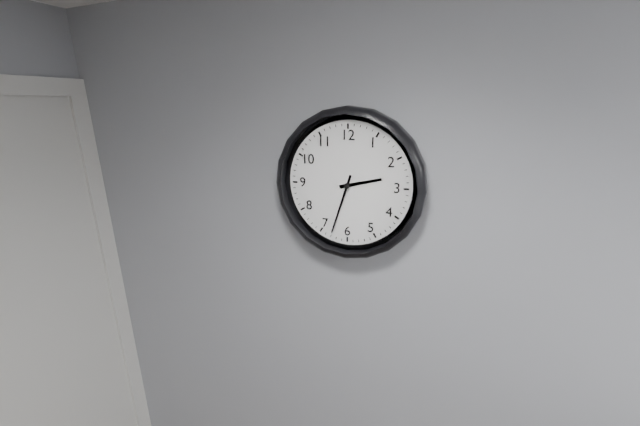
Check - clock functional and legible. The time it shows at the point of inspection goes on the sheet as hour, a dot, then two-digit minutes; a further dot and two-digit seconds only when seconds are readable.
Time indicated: 2.33
